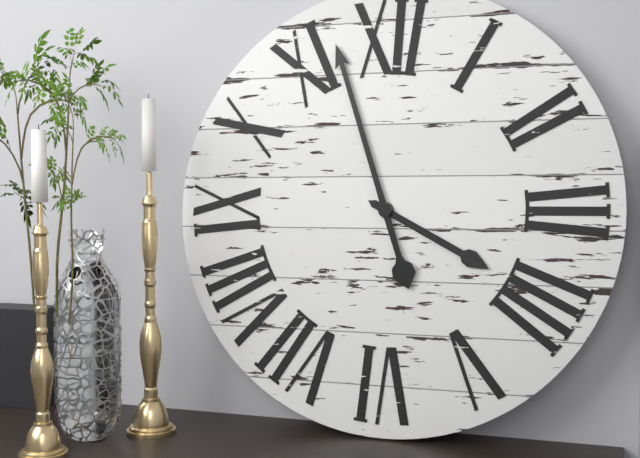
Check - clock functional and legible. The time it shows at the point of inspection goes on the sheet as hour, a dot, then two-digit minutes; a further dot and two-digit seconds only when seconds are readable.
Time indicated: 3.57
